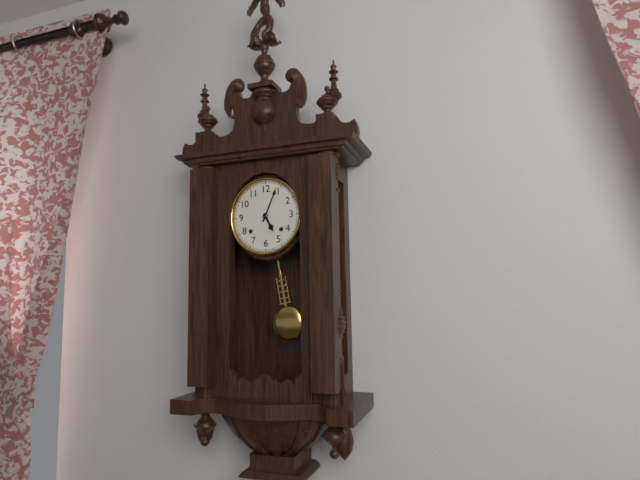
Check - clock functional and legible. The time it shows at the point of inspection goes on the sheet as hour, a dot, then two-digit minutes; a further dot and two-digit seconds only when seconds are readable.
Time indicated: 5.04
